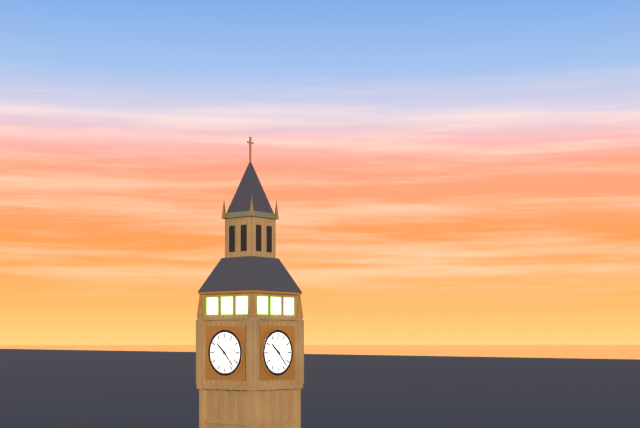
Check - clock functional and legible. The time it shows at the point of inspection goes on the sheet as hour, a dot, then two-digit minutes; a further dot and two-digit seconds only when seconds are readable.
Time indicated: 10.23
